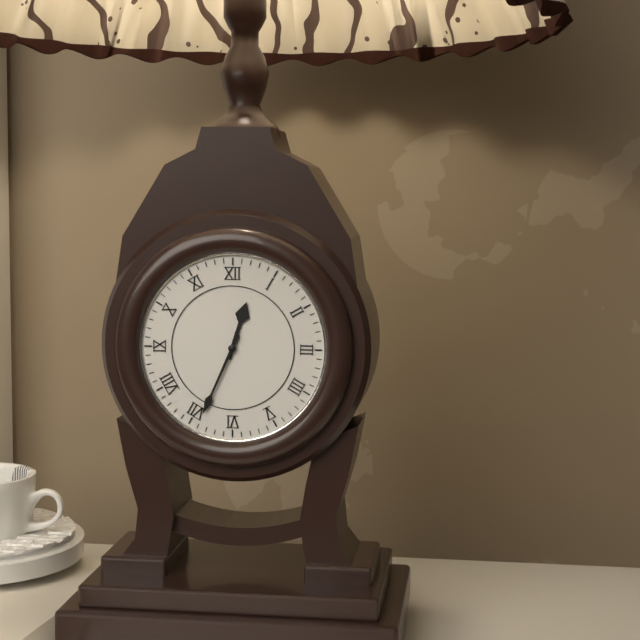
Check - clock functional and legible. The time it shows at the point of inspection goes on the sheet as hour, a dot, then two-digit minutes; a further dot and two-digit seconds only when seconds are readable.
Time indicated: 12.34
